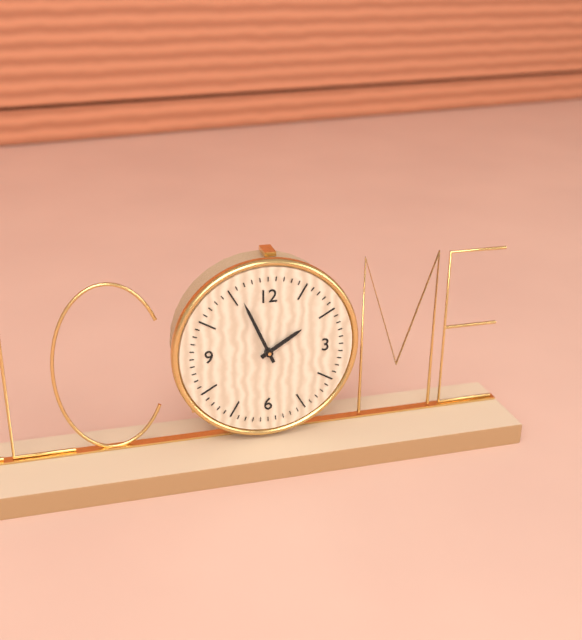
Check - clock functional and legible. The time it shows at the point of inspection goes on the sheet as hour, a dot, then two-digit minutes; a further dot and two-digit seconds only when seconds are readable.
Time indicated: 1.56
